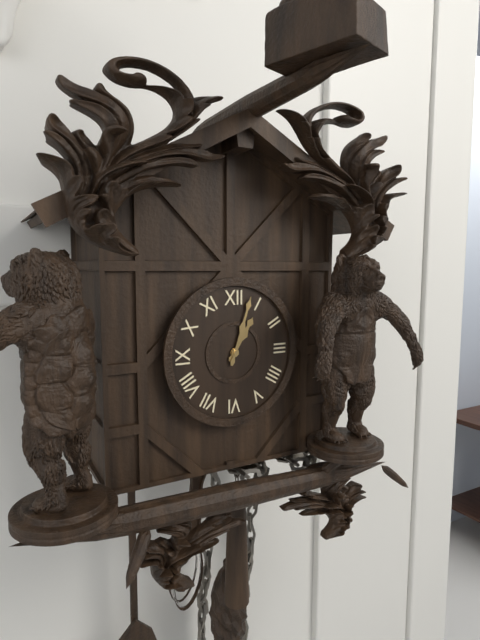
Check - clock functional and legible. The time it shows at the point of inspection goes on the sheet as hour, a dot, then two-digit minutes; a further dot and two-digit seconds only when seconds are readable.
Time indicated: 1.03
